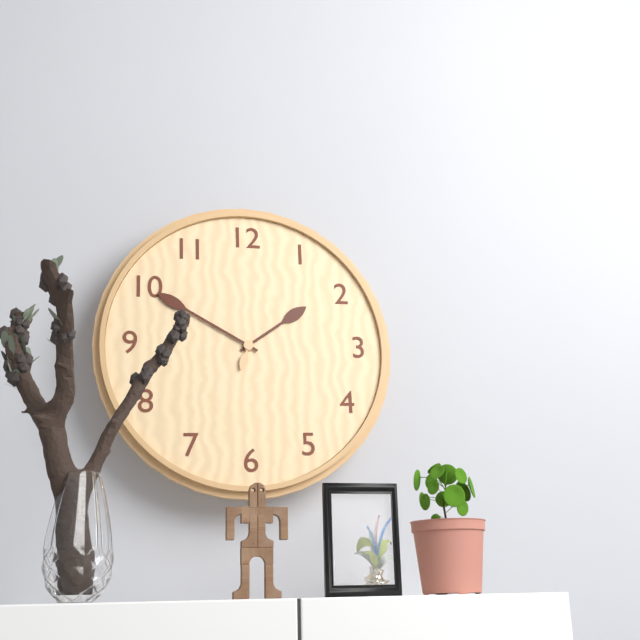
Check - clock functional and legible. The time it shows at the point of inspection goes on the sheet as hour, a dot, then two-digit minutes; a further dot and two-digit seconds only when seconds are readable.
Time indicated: 1.50
